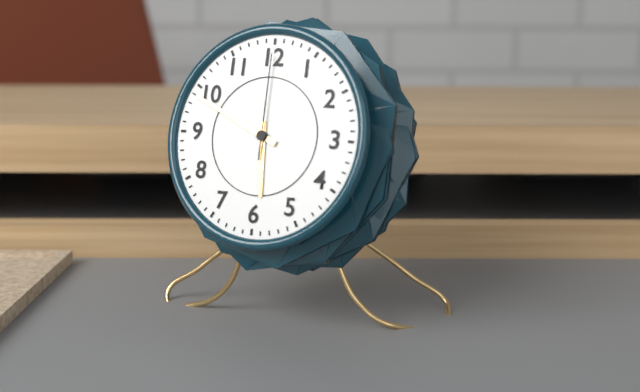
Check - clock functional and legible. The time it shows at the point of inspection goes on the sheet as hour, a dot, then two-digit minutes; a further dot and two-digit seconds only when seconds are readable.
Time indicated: 5.49.00
